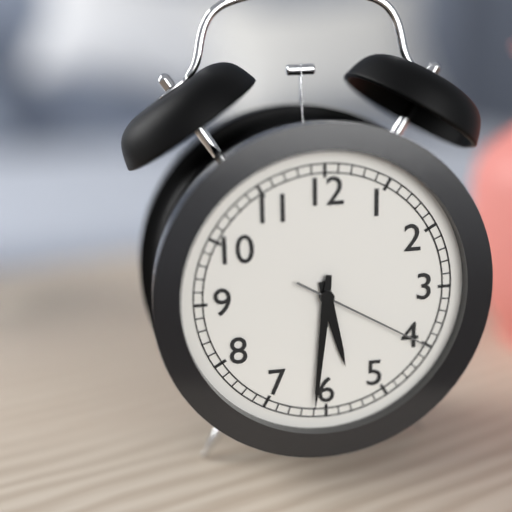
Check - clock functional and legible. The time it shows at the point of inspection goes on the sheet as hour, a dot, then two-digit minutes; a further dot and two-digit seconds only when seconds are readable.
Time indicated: 5.31.20
